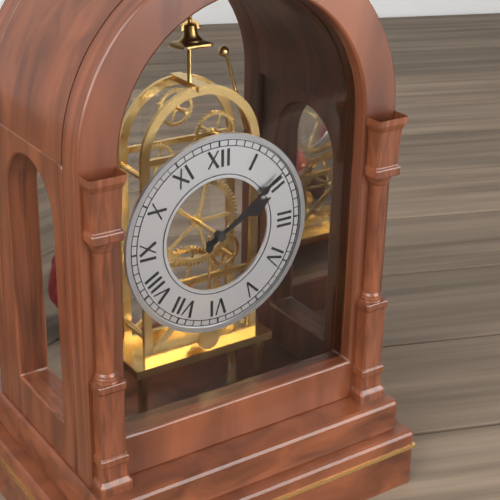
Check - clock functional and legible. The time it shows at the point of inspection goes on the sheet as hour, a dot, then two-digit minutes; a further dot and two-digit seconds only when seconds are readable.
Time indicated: 2.09
